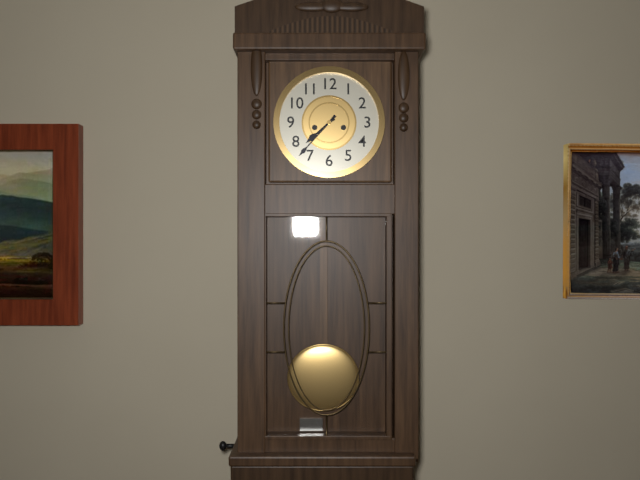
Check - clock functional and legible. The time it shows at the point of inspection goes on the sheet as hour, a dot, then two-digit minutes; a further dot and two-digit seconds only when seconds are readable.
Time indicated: 7.37
